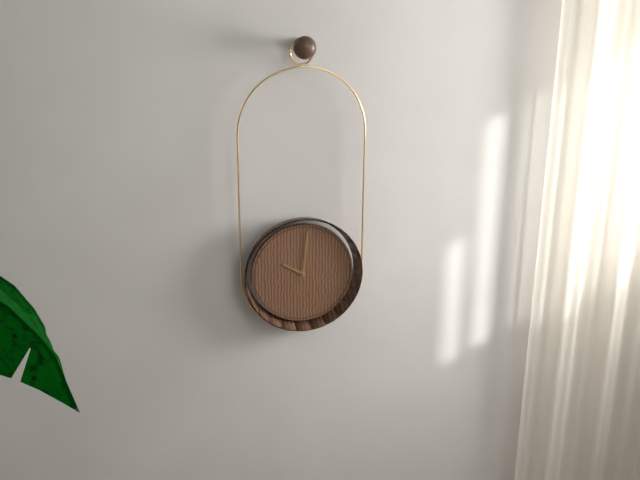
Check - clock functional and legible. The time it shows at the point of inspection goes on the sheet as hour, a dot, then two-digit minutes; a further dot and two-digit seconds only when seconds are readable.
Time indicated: 10.01
